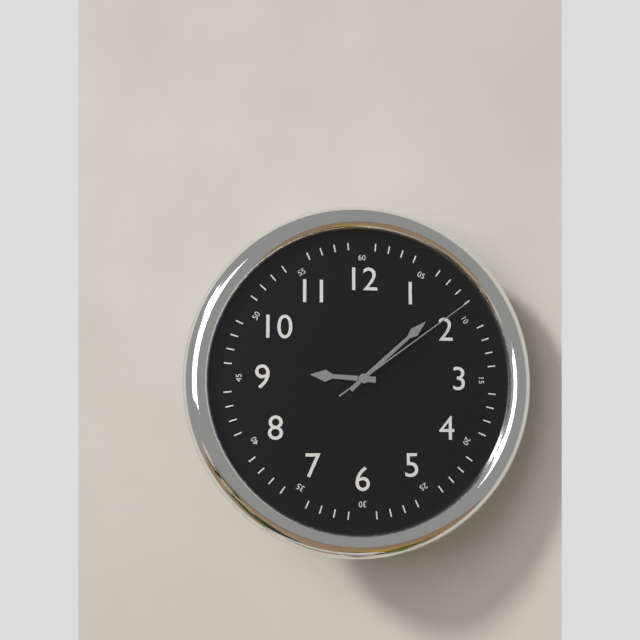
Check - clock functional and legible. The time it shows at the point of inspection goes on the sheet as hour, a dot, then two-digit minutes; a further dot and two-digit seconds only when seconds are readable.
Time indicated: 9.08.09
